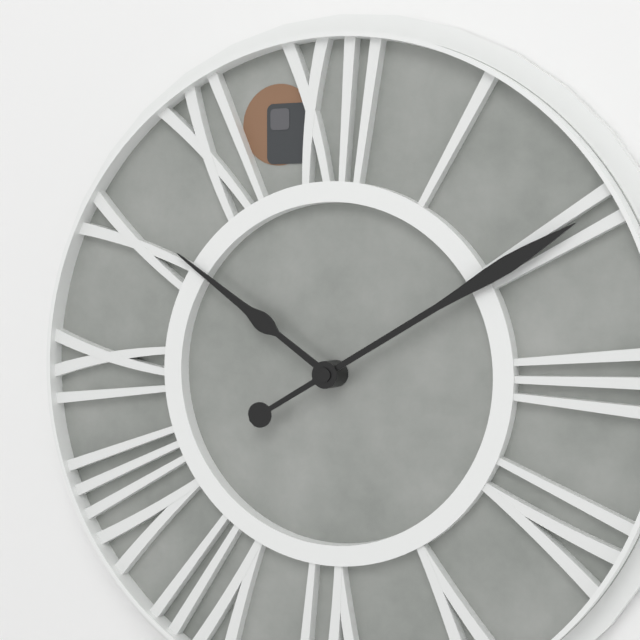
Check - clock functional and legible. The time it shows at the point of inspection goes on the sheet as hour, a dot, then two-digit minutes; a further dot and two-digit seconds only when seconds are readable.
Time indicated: 10.10
